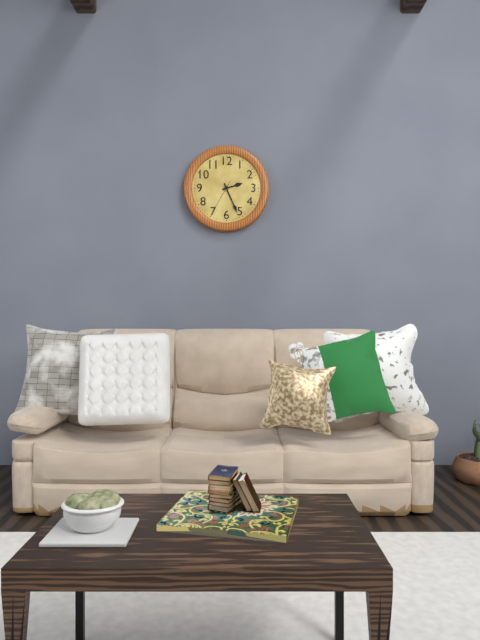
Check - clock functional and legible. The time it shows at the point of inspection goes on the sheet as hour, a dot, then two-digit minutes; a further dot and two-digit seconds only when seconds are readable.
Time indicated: 2.26
